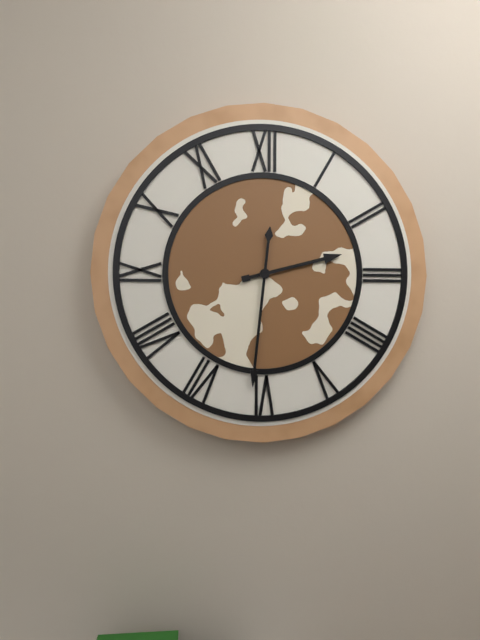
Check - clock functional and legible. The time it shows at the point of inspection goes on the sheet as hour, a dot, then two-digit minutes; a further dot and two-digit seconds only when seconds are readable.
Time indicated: 2.31
